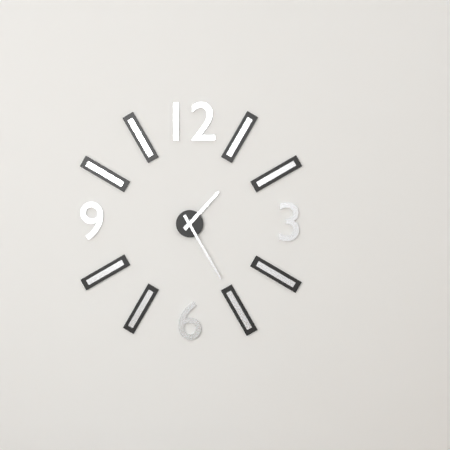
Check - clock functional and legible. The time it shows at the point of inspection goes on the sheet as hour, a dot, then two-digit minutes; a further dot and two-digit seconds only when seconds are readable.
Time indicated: 1.25
